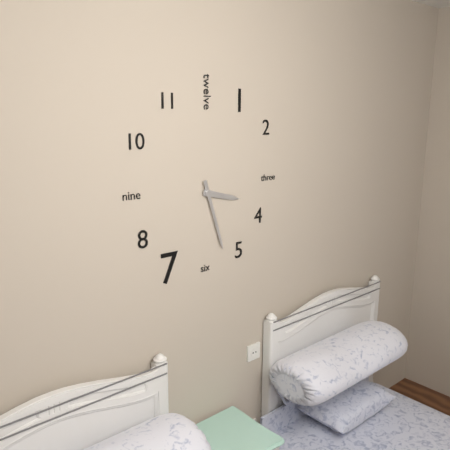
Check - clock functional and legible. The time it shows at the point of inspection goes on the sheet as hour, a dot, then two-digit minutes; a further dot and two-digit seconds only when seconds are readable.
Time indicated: 3.27
